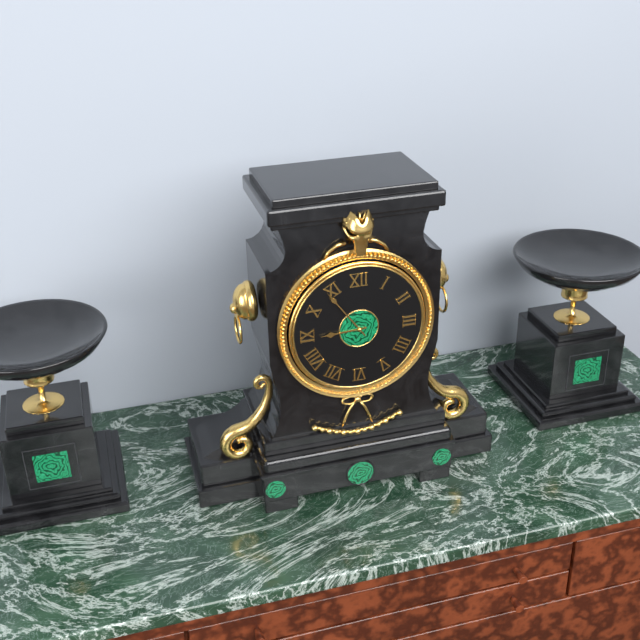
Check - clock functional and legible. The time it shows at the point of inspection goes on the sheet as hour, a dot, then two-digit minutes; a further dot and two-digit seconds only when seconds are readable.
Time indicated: 8.54
